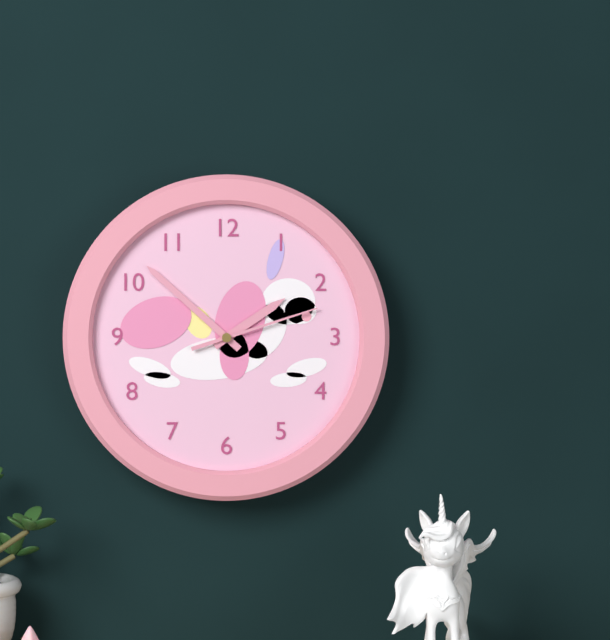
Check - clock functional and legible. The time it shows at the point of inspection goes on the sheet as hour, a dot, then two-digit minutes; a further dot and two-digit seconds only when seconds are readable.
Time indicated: 1.52.12
